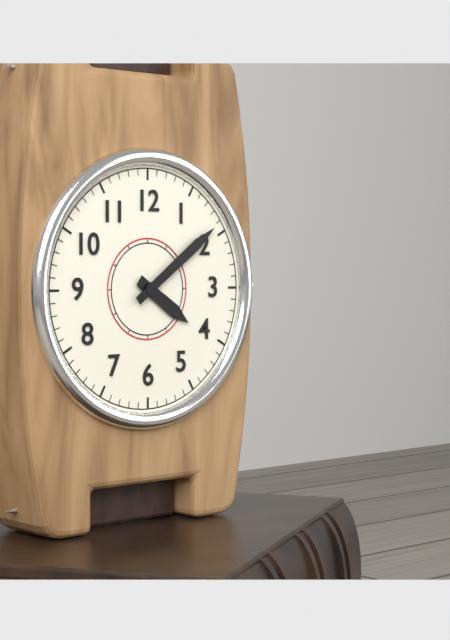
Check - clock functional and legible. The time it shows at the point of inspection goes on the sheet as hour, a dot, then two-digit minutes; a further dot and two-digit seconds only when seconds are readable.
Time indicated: 4.09
